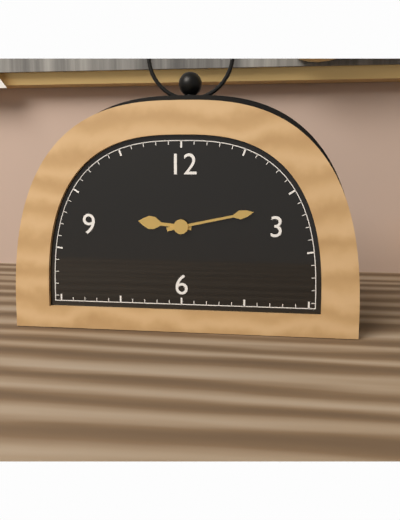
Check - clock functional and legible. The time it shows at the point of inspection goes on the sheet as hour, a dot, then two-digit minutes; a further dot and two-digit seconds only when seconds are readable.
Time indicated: 9.13
